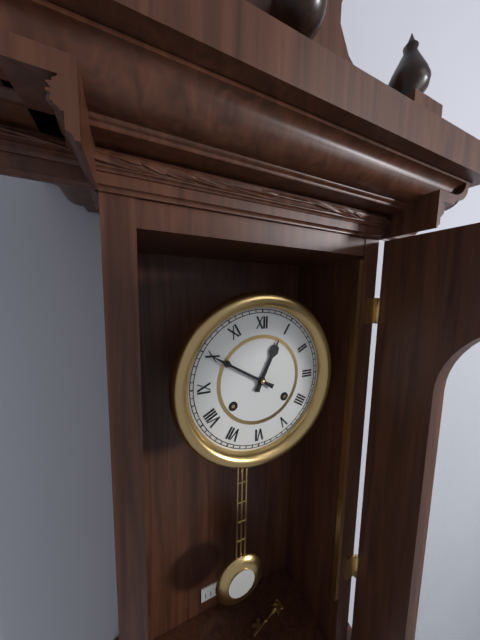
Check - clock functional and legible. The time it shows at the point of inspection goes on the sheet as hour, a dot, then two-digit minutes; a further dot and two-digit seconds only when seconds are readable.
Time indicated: 12.50
